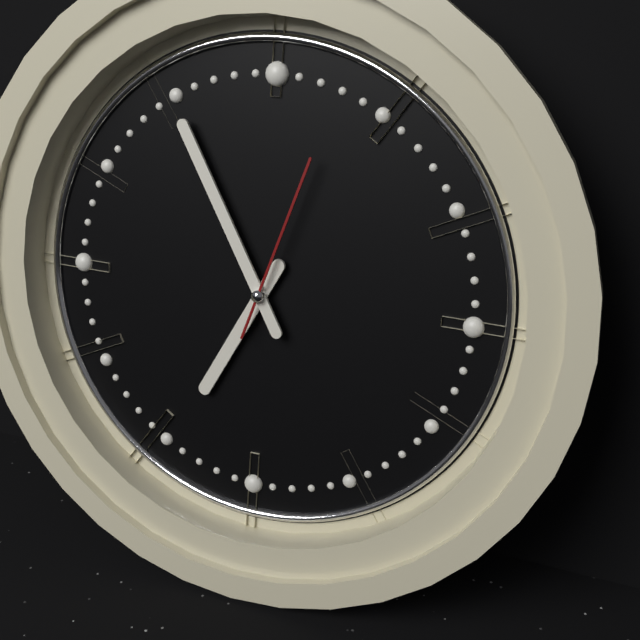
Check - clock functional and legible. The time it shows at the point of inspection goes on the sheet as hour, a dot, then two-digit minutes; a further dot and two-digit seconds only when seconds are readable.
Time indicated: 6.55.03
